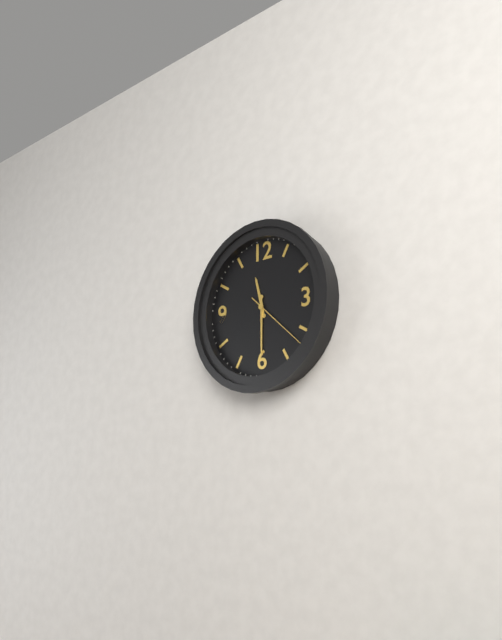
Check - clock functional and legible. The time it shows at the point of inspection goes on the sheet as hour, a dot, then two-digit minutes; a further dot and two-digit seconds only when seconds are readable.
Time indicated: 11.30.22
